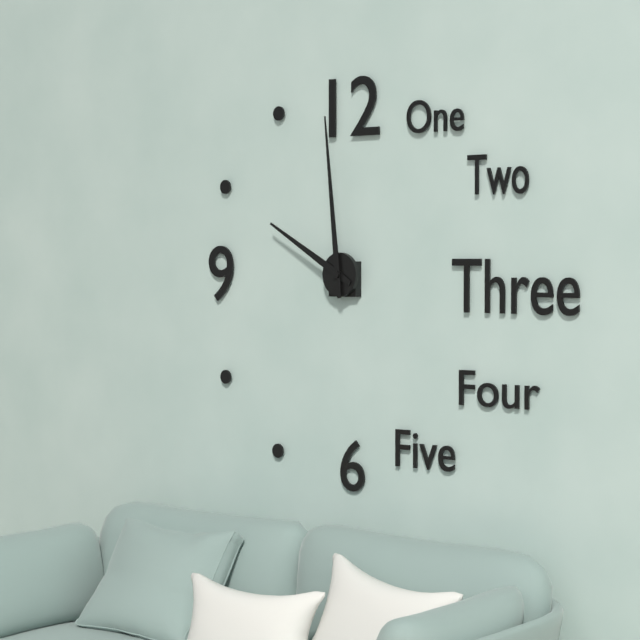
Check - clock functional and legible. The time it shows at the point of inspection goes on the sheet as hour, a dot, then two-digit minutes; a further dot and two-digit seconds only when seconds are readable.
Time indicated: 9.59
